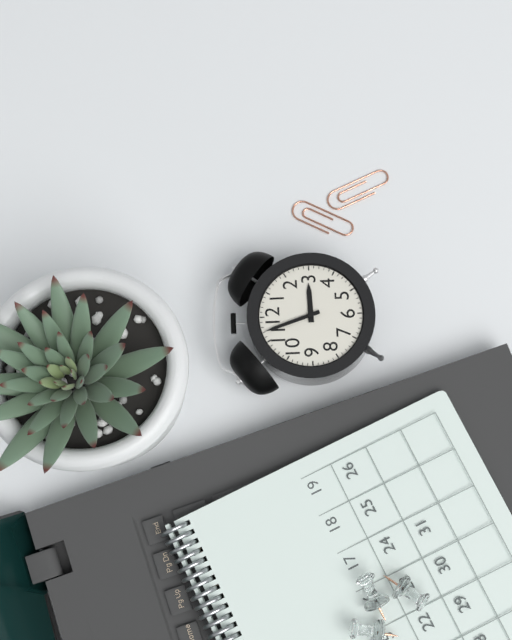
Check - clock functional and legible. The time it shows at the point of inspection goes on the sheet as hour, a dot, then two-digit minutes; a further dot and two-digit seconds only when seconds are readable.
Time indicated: 2.57
